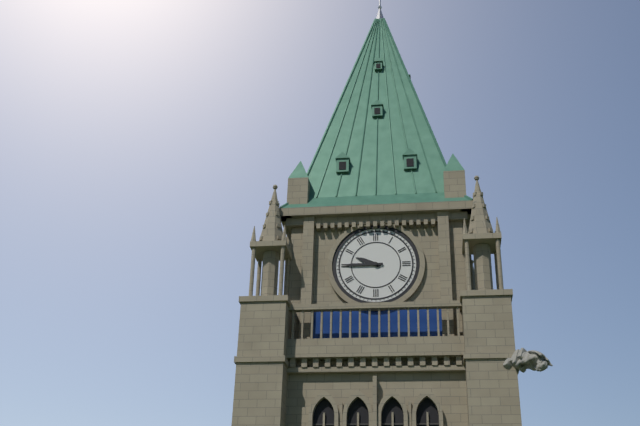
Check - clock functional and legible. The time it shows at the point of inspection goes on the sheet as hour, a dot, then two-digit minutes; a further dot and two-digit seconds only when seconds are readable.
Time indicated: 9.45
